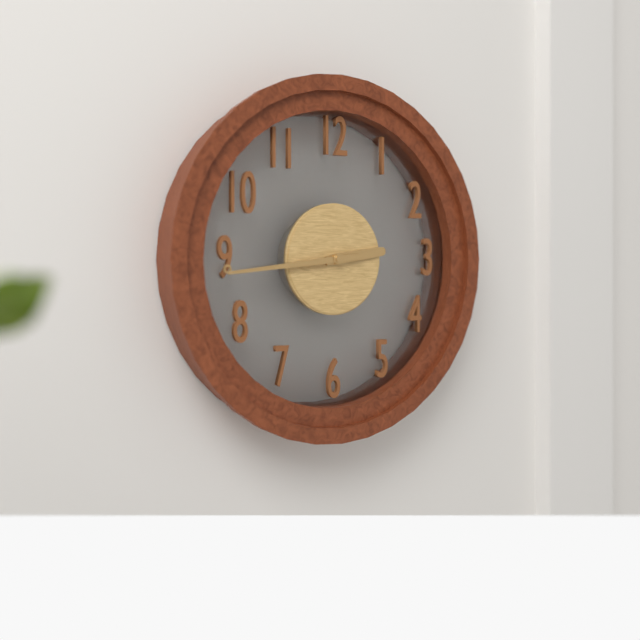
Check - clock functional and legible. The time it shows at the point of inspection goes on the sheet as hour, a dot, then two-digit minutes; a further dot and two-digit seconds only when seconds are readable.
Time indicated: 2.44
